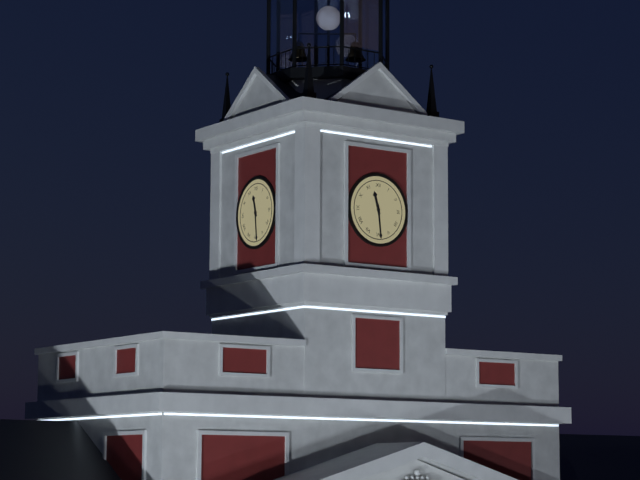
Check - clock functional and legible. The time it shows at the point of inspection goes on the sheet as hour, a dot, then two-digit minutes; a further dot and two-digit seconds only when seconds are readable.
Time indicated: 11.29
